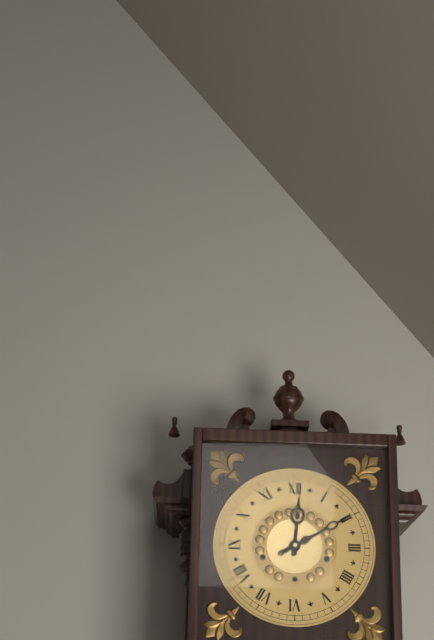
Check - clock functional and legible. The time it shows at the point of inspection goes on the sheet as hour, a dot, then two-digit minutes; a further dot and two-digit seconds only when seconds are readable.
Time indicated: 12.10
